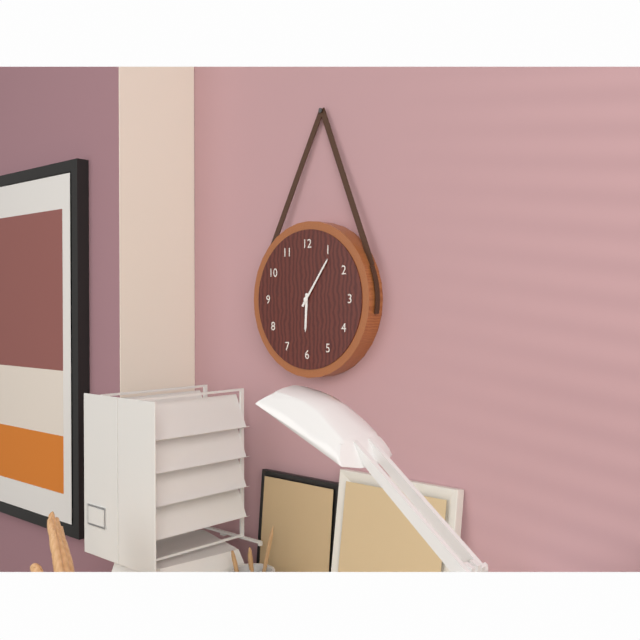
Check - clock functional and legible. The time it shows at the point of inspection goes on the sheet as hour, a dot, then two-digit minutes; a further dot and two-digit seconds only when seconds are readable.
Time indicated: 6.06
